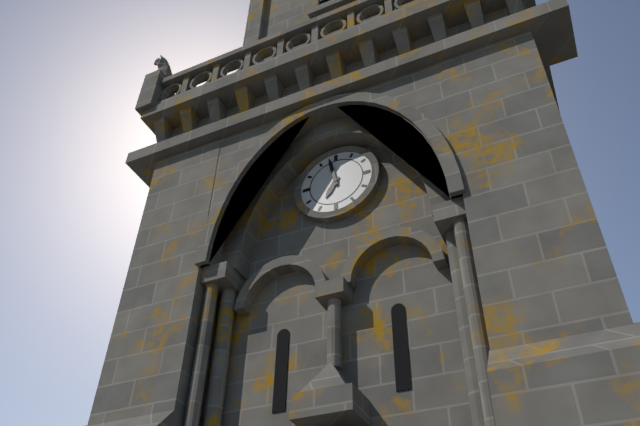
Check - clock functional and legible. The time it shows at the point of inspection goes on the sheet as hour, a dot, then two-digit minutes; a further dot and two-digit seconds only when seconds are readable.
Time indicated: 6.58
